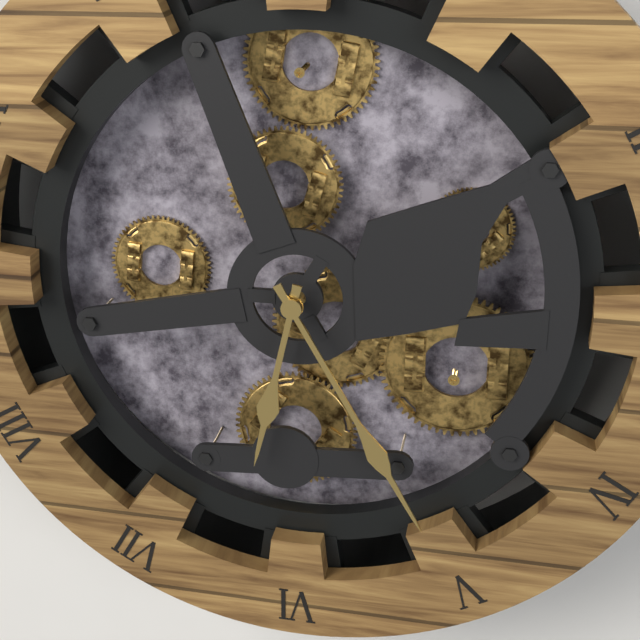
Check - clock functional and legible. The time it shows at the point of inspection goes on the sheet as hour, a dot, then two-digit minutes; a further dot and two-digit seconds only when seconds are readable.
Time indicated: 6.25
